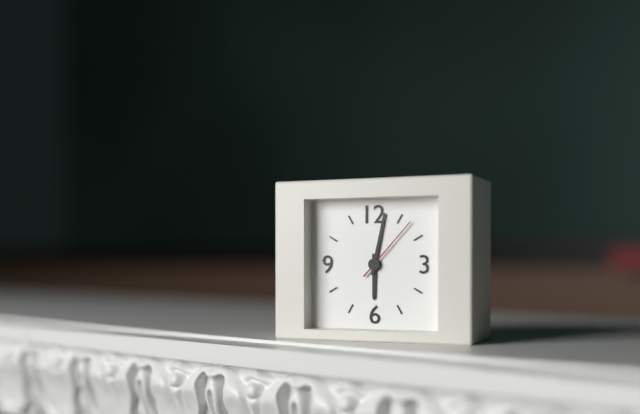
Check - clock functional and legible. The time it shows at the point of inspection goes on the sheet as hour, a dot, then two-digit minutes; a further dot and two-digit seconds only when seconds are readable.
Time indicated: 6.02.07
